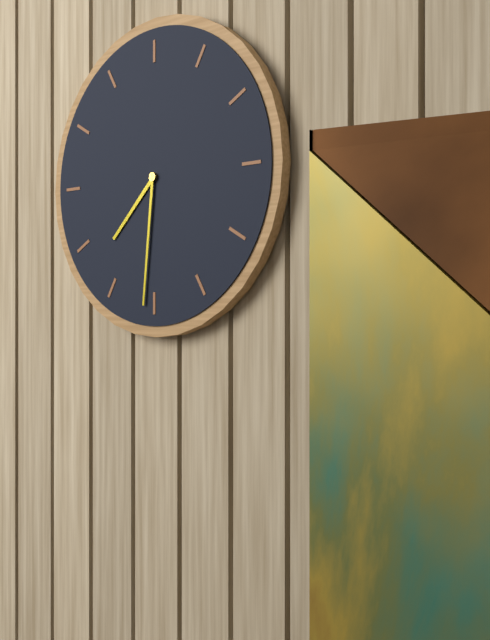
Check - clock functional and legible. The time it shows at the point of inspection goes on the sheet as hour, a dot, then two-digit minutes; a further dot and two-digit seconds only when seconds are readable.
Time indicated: 7.31
